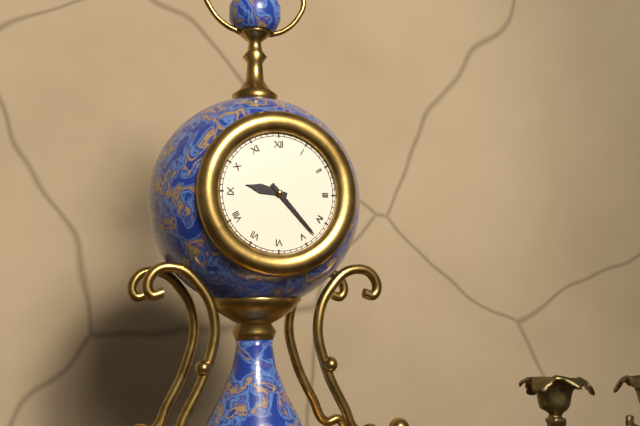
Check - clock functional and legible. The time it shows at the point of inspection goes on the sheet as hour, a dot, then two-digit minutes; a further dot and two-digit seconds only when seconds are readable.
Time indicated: 9.23
